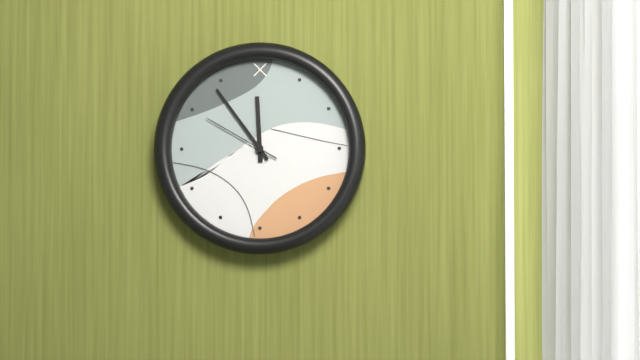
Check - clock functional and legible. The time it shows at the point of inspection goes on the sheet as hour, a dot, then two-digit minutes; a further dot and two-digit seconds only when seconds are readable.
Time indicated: 11.54.50
